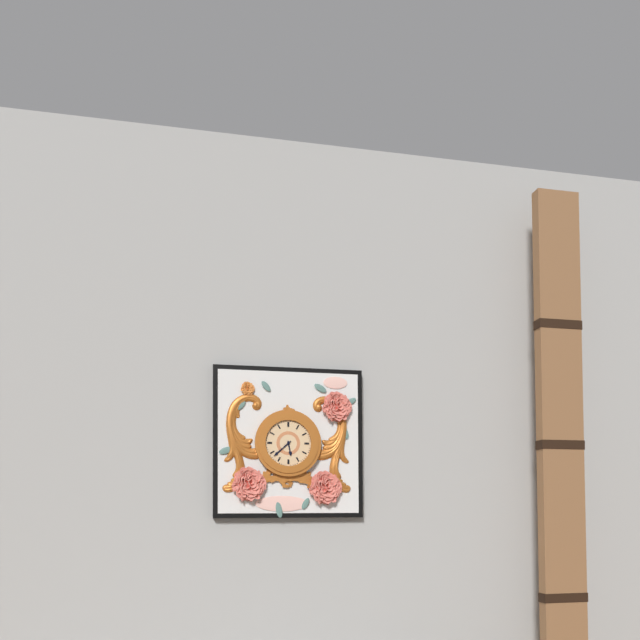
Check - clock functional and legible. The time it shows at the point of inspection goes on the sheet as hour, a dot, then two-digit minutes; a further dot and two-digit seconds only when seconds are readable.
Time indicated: 5.38
